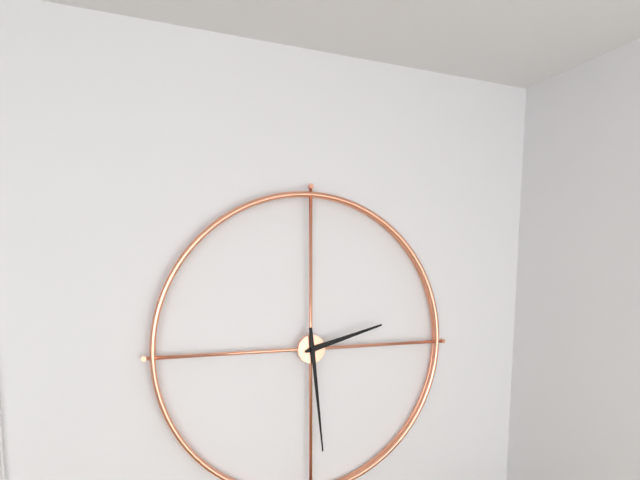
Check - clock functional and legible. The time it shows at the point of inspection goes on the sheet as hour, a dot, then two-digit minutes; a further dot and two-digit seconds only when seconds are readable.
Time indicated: 2.29
